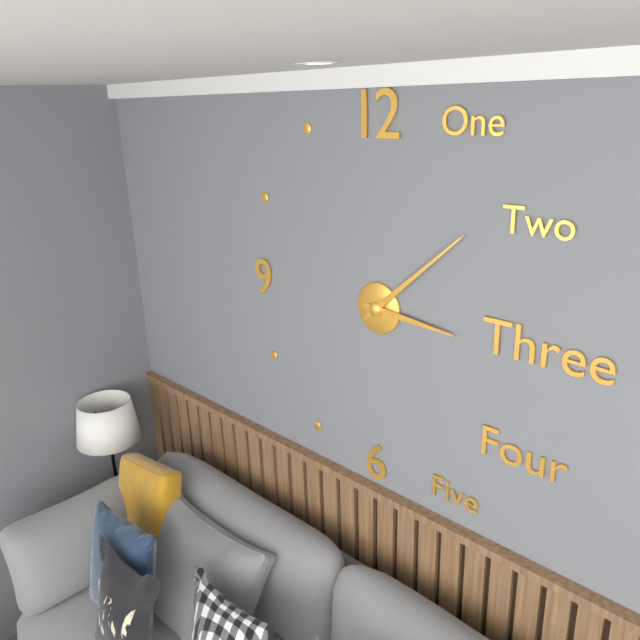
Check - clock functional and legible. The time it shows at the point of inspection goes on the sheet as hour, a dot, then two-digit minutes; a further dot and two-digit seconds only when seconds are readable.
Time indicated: 3.08
